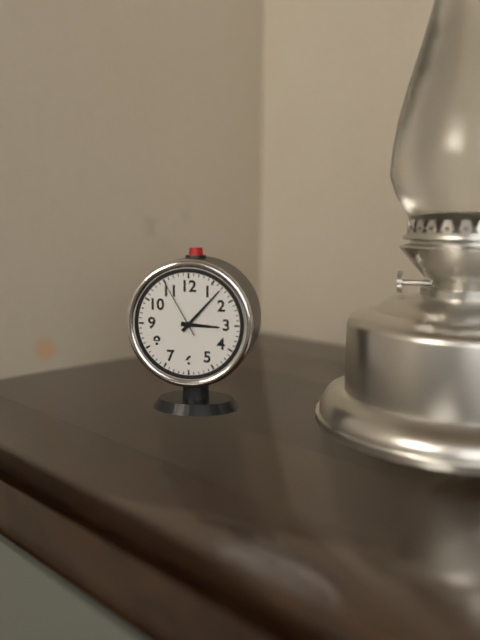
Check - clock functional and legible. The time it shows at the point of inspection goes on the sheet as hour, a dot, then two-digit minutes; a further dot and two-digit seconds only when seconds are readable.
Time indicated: 3.07.55
